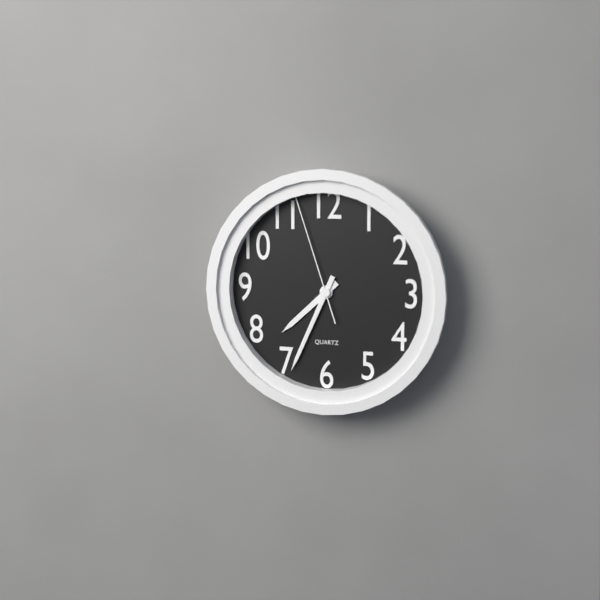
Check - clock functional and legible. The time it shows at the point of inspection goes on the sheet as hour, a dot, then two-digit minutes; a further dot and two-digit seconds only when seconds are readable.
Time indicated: 7.34.57
